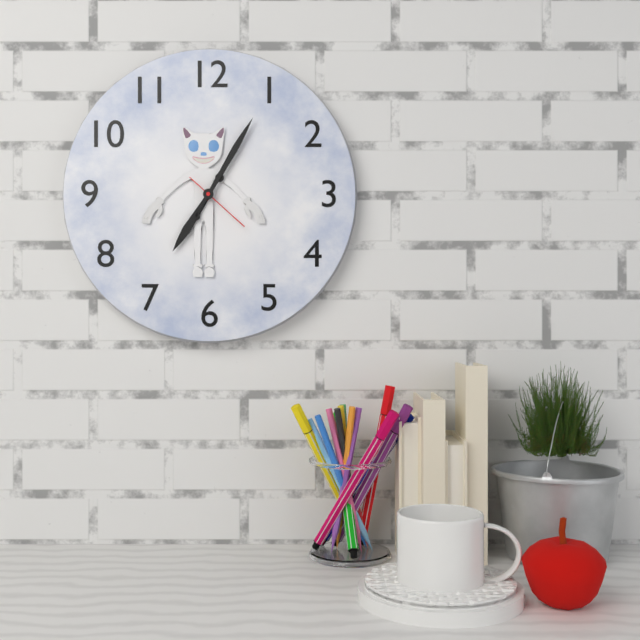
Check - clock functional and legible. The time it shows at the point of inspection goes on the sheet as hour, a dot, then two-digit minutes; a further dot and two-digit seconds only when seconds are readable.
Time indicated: 7.05.22
